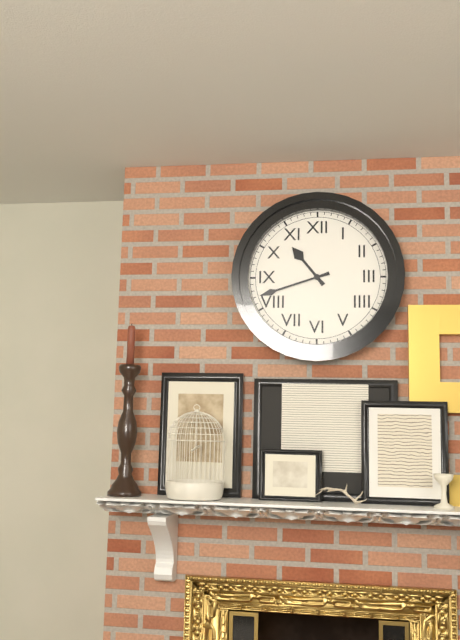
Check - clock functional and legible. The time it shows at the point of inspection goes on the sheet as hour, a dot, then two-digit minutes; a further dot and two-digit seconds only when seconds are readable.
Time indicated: 10.42
